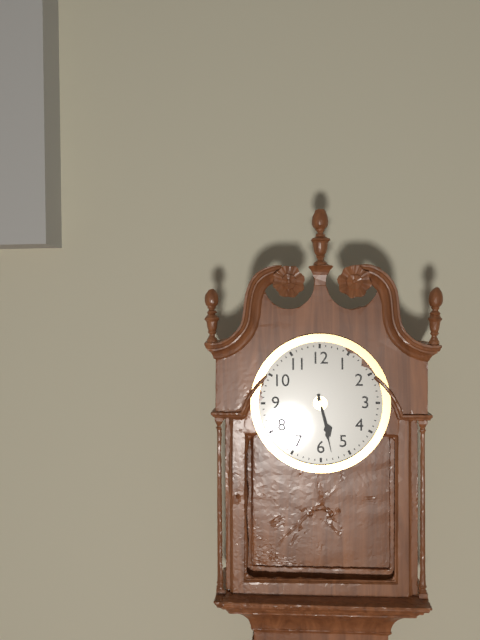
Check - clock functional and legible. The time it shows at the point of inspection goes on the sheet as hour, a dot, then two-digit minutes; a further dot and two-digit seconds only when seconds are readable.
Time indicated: 5.28
